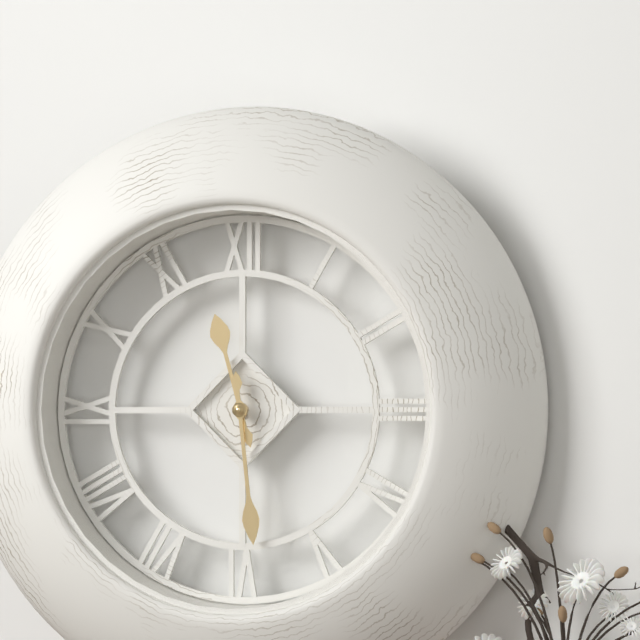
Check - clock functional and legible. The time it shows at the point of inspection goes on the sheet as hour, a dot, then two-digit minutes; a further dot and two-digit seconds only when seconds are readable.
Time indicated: 11.29
